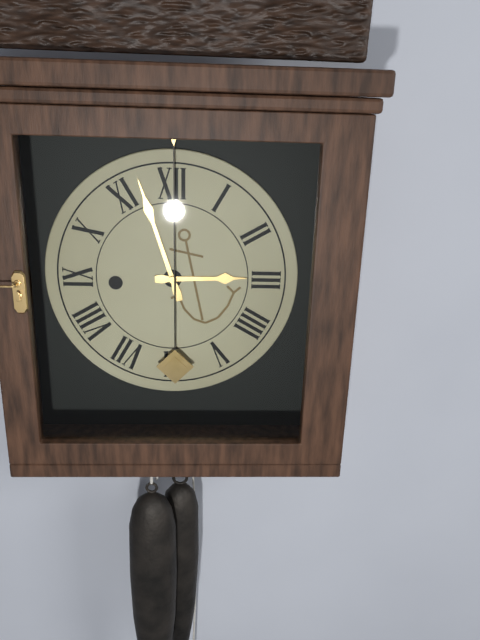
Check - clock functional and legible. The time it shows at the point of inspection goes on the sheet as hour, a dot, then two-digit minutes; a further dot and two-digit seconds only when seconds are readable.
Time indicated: 2.57
